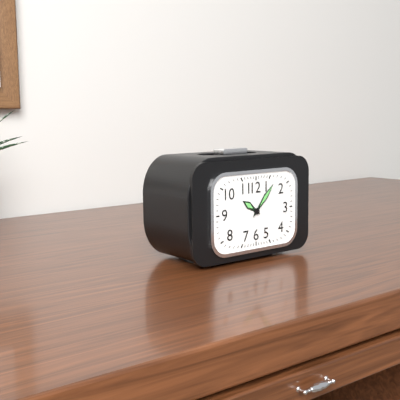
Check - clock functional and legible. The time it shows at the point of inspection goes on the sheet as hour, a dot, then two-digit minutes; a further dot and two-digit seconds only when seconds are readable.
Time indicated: 10.07
